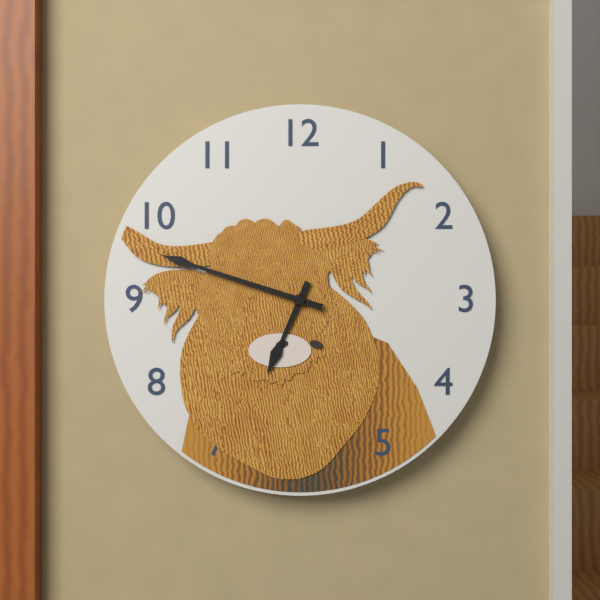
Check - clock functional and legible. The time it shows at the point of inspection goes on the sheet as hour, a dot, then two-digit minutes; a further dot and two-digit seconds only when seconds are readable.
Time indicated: 6.48
